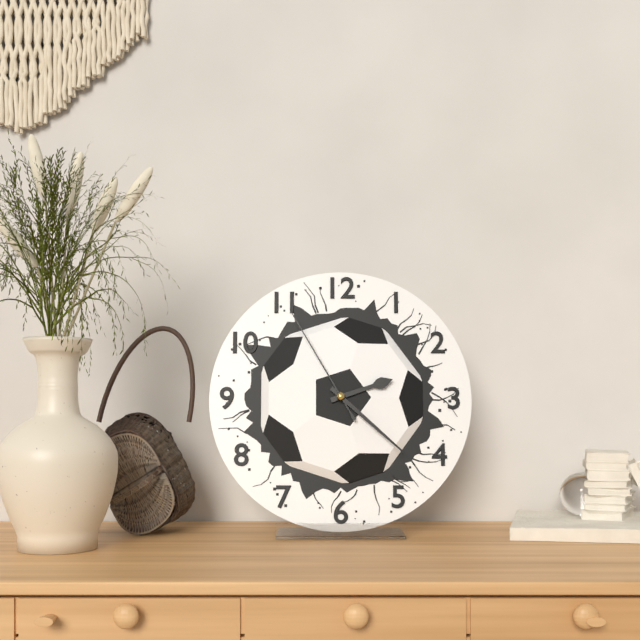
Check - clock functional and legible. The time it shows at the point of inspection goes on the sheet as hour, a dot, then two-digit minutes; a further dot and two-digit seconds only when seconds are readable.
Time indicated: 2.22.55
